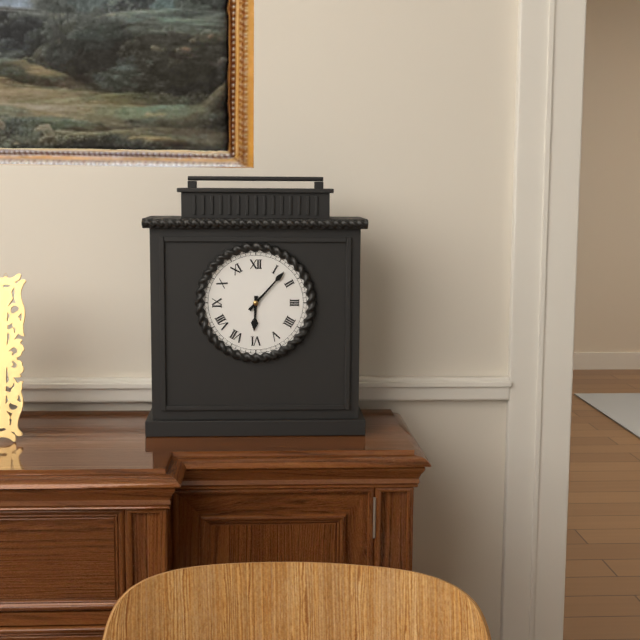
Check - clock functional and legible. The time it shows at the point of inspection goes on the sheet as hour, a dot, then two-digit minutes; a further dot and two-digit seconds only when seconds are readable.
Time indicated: 6.07
